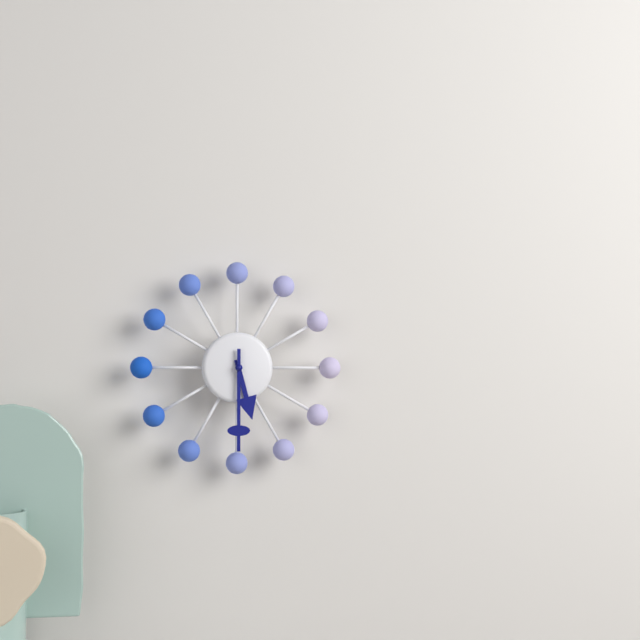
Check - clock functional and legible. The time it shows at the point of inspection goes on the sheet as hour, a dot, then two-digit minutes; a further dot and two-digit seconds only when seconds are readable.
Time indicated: 5.30
